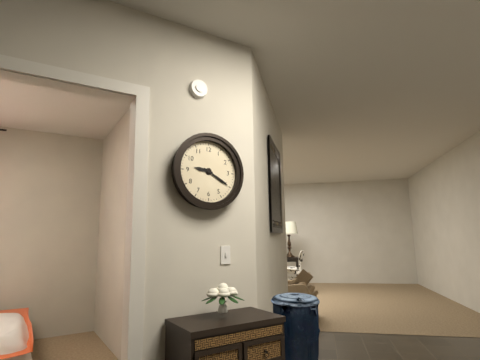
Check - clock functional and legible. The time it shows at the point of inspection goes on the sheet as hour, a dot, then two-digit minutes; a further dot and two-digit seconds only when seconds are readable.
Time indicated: 9.20
